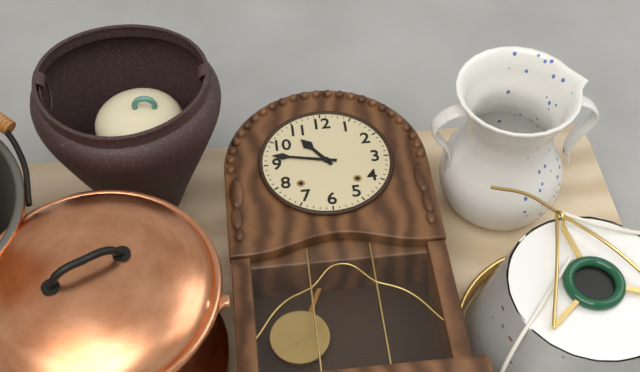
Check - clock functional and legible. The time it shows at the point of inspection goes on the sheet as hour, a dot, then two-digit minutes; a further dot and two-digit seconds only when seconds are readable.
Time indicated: 10.47
